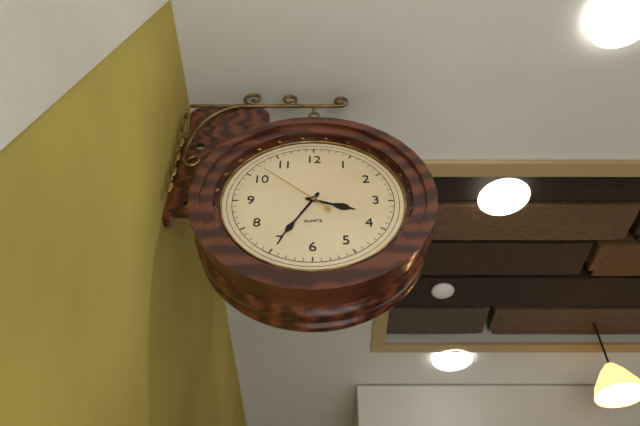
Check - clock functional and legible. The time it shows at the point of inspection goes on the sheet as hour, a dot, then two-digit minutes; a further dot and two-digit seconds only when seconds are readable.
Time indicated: 3.35.52
